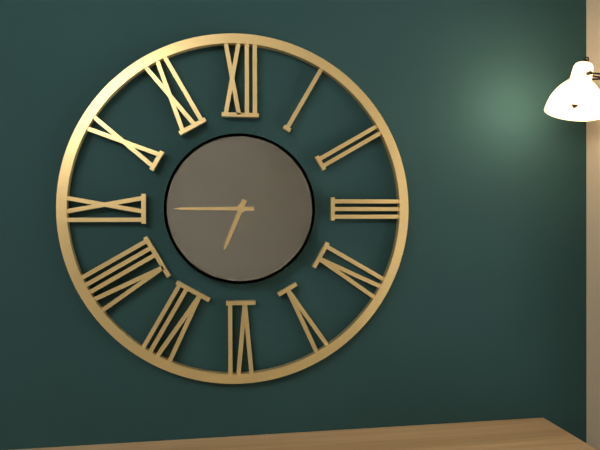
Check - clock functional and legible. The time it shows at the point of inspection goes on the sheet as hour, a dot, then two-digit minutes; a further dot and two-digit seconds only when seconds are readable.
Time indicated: 6.45
